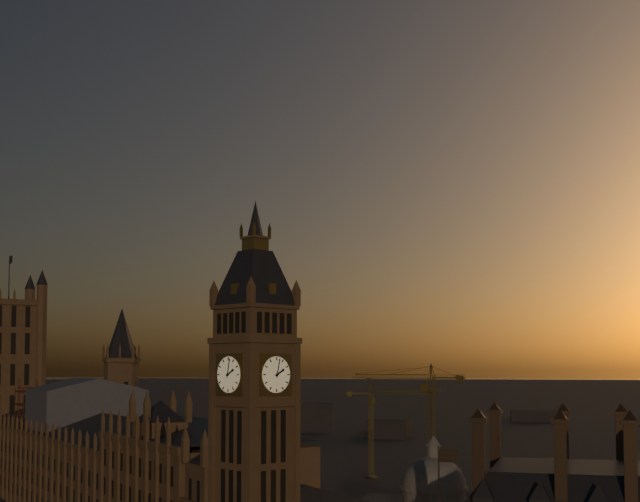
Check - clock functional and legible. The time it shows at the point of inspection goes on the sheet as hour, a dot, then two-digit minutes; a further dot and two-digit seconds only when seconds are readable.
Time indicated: 2.02
